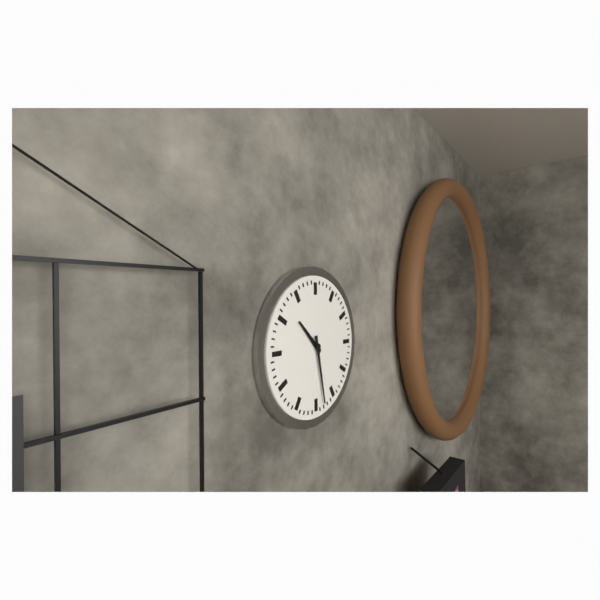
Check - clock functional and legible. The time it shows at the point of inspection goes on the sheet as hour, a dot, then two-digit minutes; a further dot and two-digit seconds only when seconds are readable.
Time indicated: 10.28
